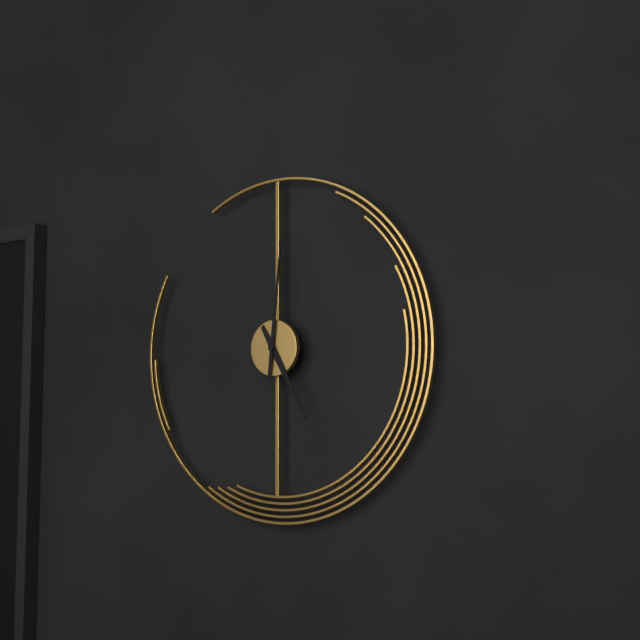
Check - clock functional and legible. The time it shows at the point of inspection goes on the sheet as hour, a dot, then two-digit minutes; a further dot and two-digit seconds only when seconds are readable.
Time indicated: 5.01
